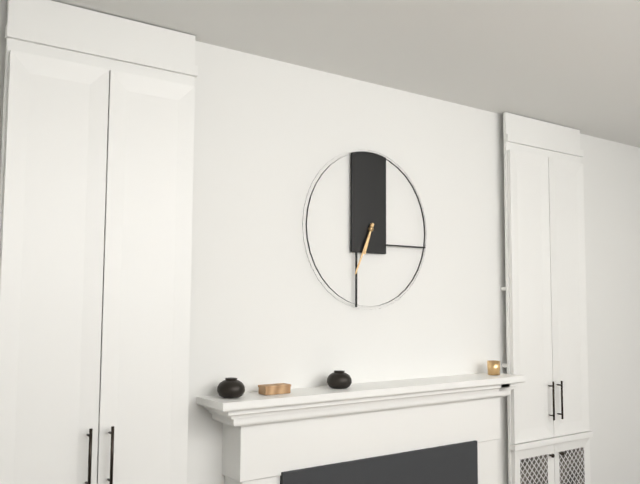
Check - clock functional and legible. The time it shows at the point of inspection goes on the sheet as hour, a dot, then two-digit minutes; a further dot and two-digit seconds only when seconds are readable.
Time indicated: 6.34
